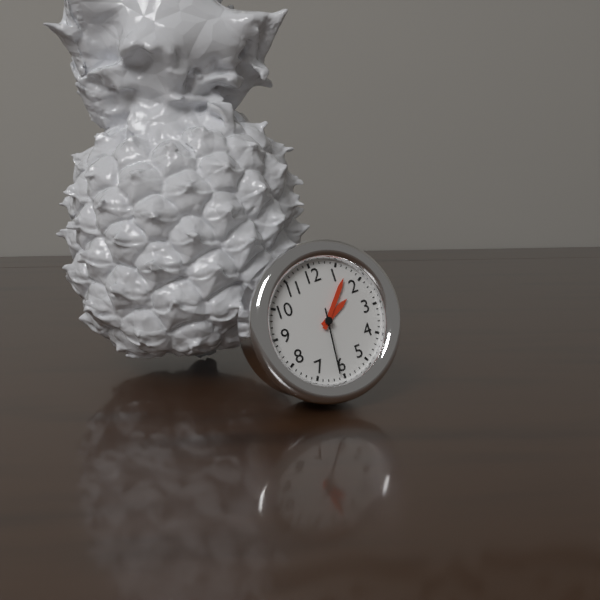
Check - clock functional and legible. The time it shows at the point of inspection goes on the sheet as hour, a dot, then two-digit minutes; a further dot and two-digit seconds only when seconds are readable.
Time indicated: 2.07.31
